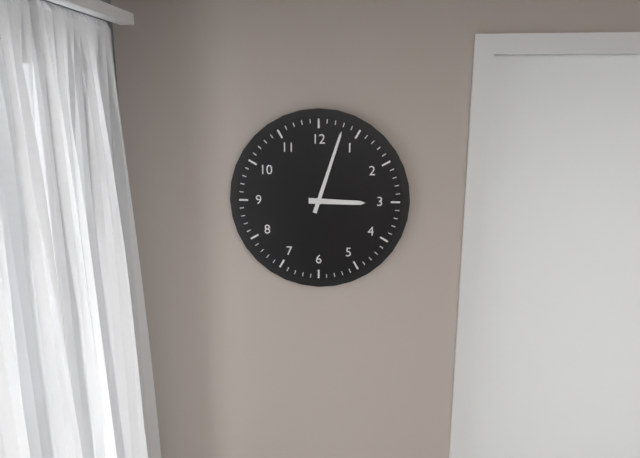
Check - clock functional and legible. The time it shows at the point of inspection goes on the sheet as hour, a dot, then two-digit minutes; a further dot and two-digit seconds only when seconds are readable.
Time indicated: 3.03
